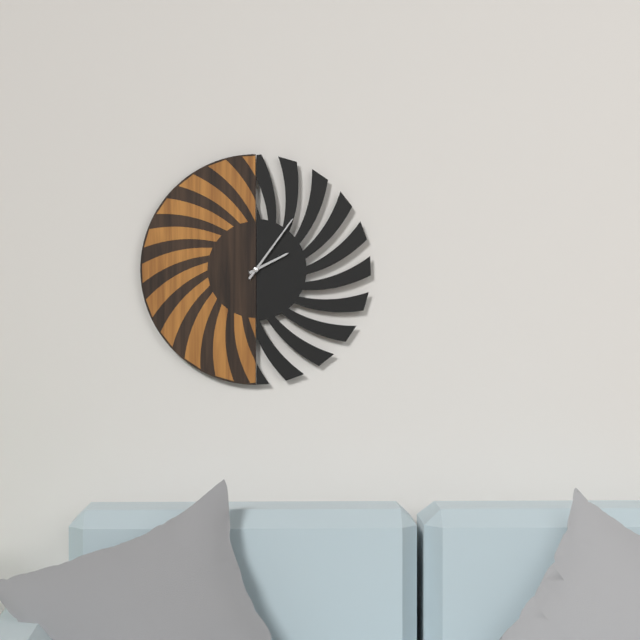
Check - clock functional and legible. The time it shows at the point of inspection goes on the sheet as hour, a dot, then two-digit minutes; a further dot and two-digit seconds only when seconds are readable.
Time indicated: 2.06
